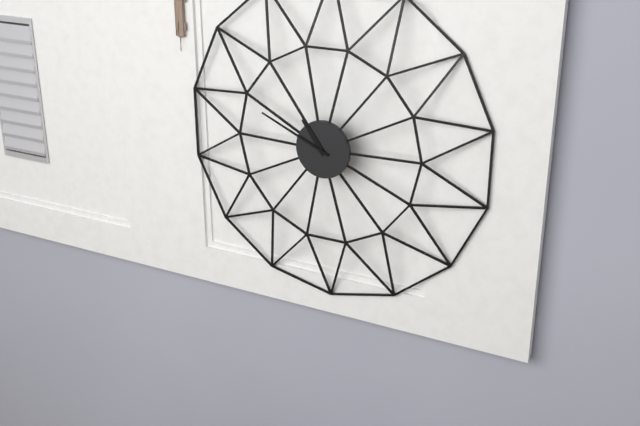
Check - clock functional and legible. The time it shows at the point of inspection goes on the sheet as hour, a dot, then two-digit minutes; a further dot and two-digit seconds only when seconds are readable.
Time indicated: 10.49
